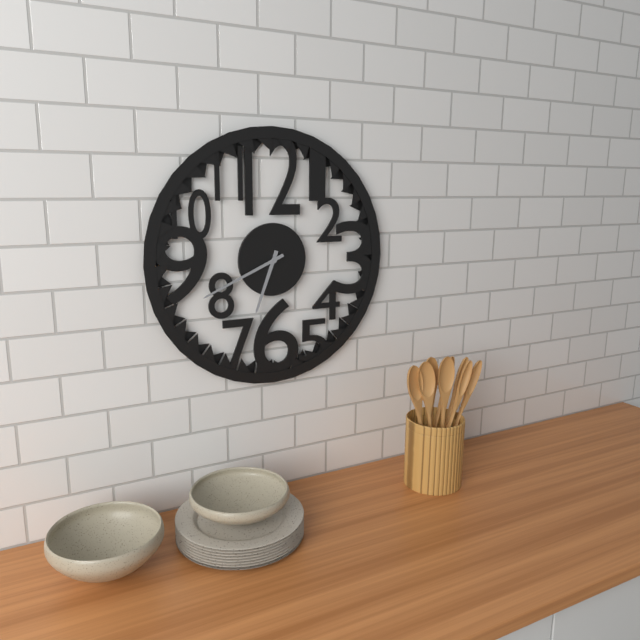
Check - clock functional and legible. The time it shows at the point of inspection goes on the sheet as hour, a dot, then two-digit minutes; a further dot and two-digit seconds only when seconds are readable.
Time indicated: 6.41
